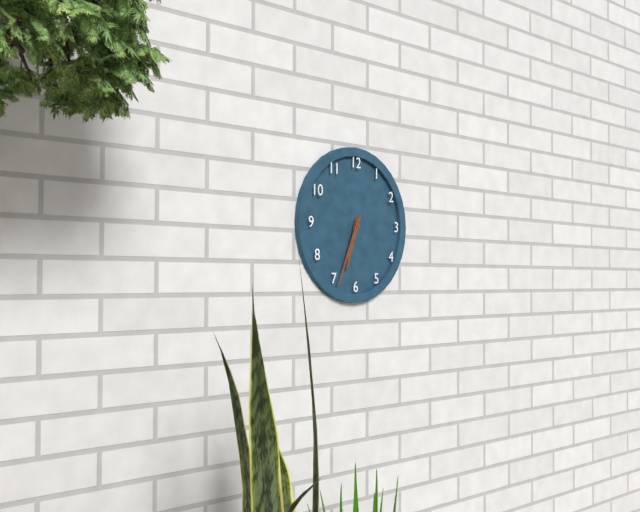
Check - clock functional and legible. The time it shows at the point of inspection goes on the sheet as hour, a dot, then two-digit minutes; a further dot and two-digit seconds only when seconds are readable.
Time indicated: 6.34
